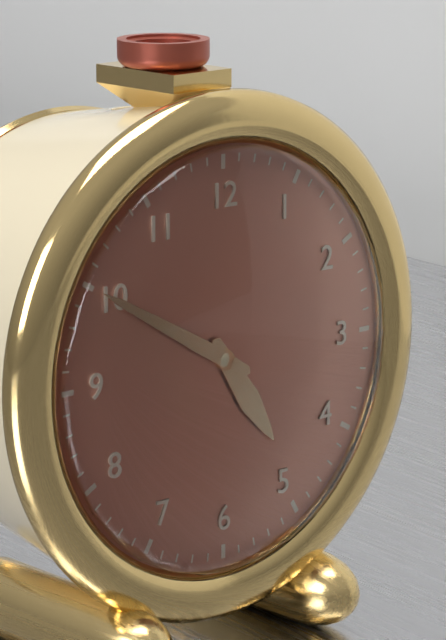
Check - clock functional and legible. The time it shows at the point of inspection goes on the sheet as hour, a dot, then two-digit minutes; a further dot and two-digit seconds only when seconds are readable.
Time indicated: 4.50
